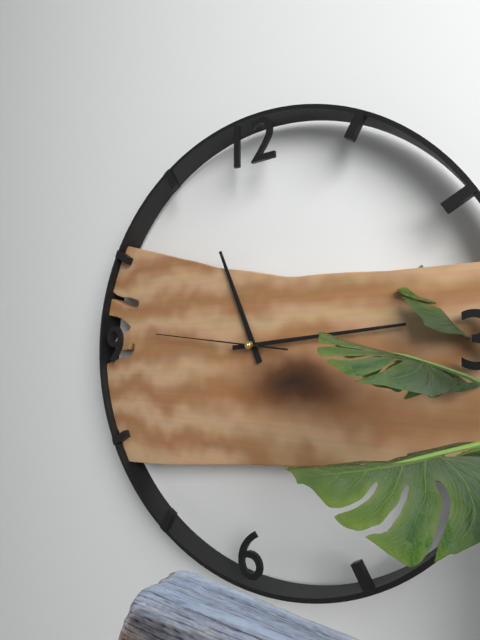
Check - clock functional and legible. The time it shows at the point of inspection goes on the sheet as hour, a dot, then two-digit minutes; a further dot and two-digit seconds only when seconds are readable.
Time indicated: 11.14.46
